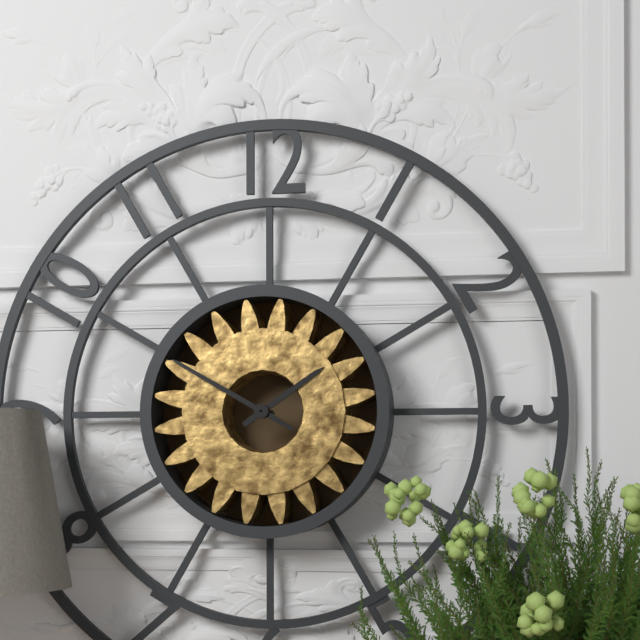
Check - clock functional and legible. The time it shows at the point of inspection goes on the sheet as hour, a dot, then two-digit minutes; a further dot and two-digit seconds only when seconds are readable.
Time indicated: 1.50
